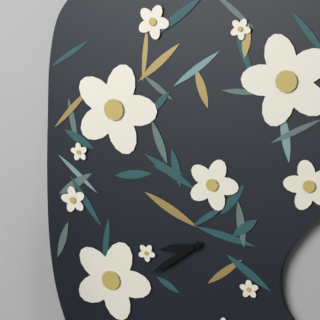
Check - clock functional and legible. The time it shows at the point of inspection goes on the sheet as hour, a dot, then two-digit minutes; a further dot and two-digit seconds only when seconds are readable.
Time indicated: 8.39
